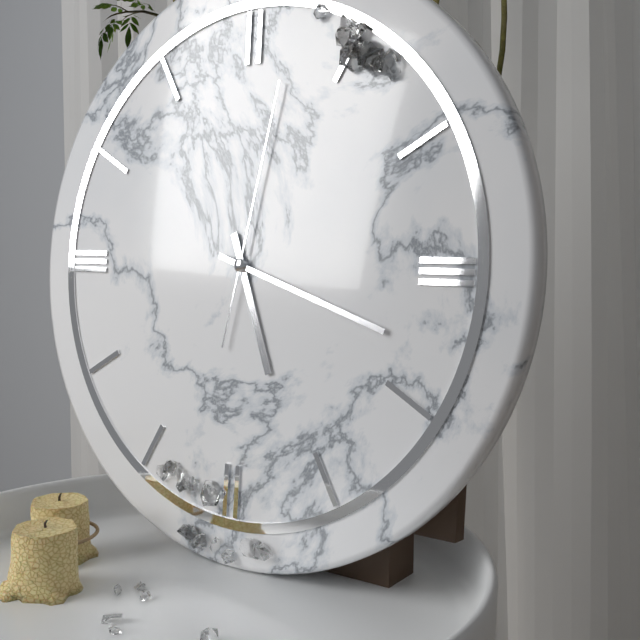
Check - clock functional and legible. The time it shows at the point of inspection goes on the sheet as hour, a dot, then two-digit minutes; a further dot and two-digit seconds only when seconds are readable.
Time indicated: 5.18.02
